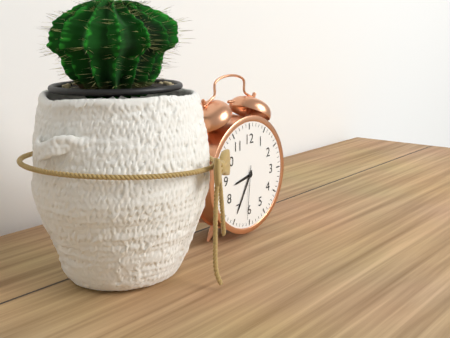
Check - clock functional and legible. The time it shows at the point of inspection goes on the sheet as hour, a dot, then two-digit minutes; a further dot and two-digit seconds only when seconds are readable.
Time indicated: 8.35.31
